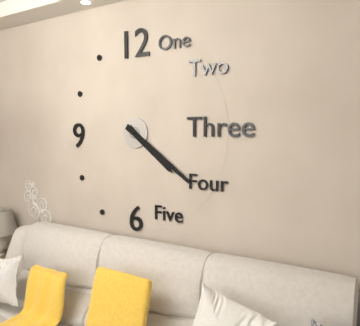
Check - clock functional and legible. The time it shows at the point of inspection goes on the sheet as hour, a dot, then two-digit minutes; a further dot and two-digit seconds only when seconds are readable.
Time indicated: 4.21
